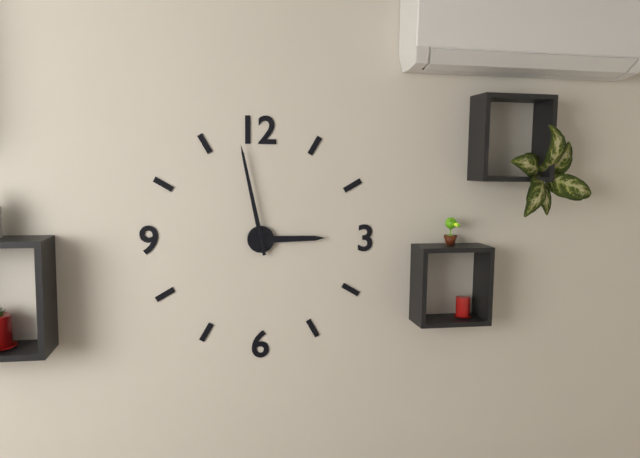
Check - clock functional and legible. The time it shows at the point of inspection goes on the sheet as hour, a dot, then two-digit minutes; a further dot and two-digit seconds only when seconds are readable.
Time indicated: 2.58
